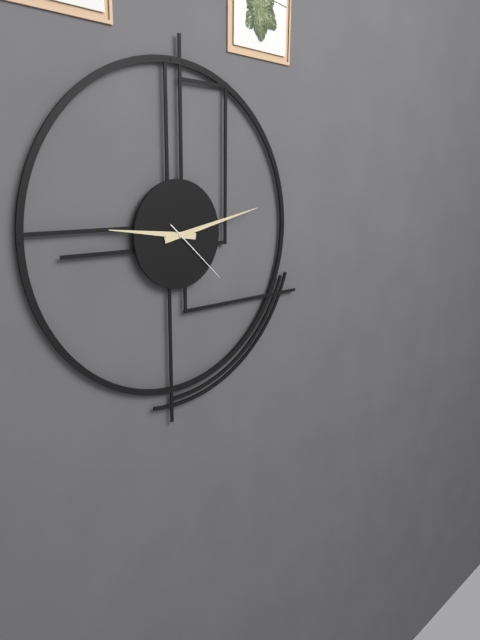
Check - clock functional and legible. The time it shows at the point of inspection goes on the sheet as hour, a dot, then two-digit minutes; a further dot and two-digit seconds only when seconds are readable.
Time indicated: 9.13.22
